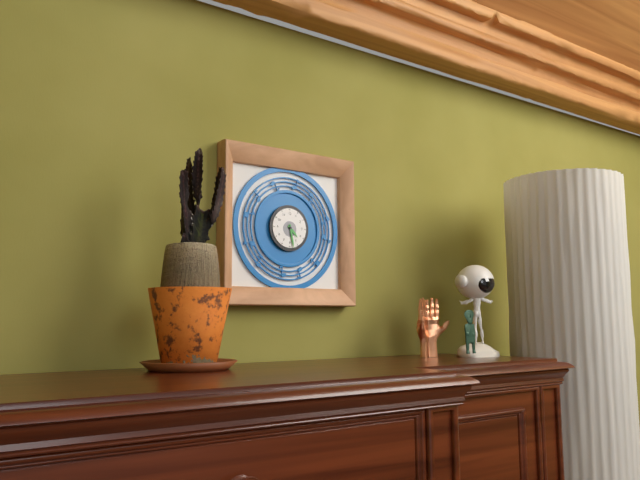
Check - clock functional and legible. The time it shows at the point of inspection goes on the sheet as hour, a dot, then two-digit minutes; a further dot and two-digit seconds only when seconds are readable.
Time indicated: 4.28
